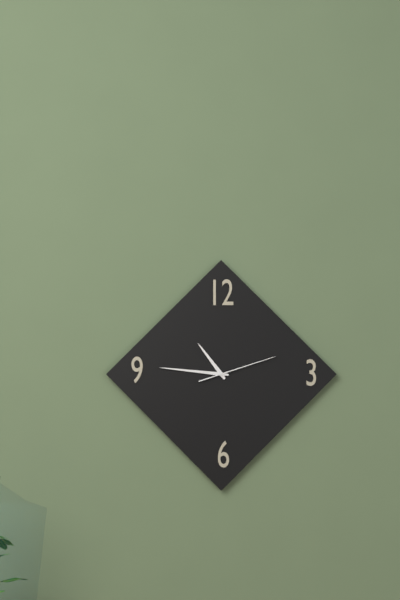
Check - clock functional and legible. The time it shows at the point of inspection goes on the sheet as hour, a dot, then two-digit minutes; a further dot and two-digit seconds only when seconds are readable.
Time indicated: 10.46.12
